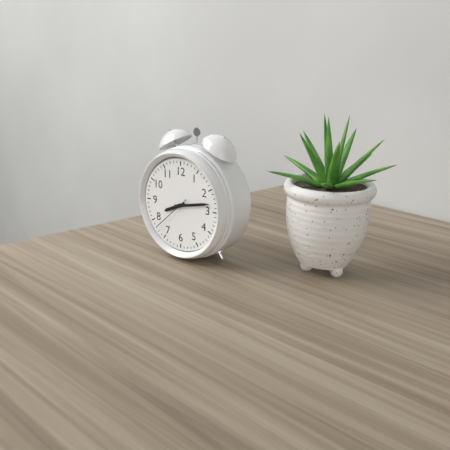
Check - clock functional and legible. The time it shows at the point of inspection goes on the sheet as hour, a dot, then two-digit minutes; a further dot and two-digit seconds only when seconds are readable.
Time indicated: 8.13
